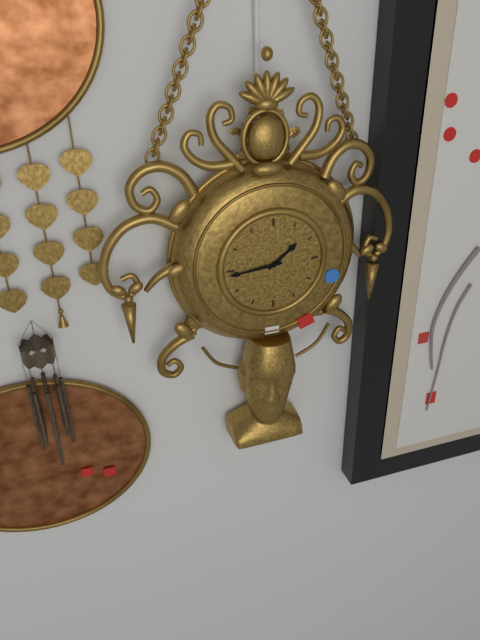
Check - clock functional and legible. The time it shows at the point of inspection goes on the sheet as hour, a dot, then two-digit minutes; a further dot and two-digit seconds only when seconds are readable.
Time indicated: 1.44
